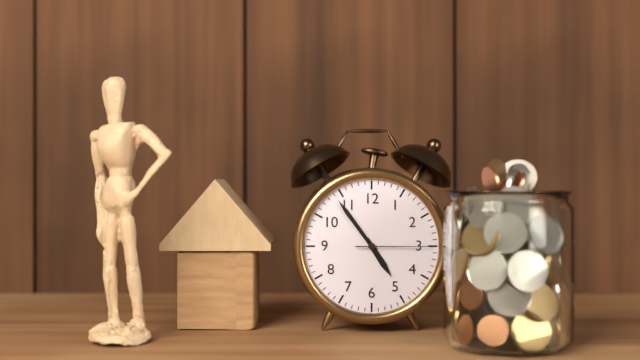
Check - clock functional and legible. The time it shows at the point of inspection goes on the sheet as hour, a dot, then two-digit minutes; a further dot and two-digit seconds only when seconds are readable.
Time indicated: 4.54.15
